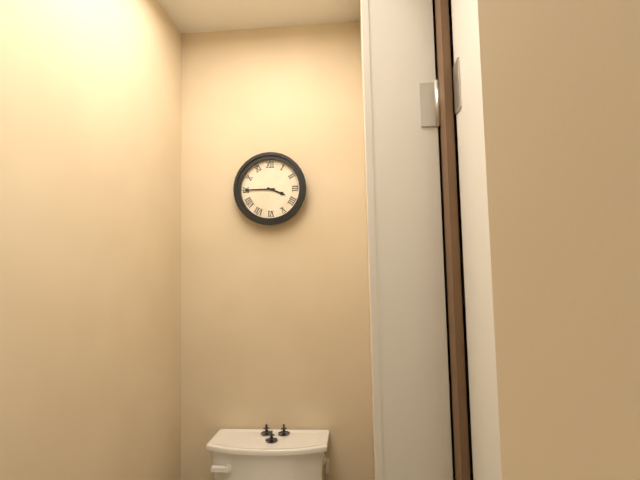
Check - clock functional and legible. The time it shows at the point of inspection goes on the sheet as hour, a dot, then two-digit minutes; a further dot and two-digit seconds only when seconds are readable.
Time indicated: 3.45
